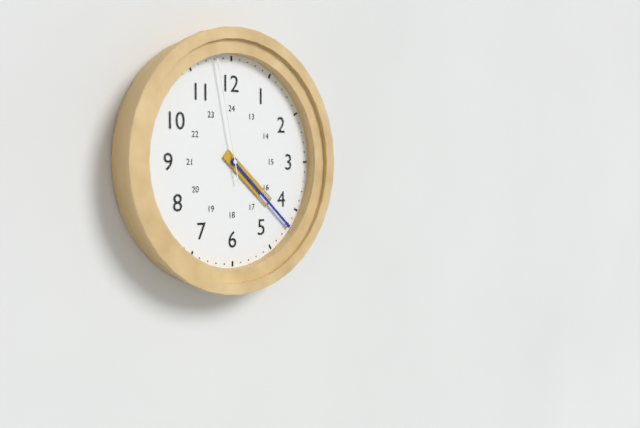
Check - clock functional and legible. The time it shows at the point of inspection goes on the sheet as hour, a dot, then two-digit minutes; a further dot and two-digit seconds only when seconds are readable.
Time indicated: 4.22.58
